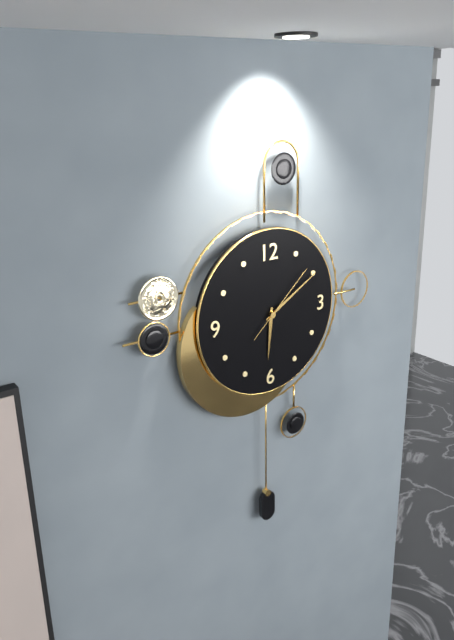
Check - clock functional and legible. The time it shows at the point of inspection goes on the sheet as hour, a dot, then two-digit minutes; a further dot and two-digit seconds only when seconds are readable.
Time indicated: 6.10.08
